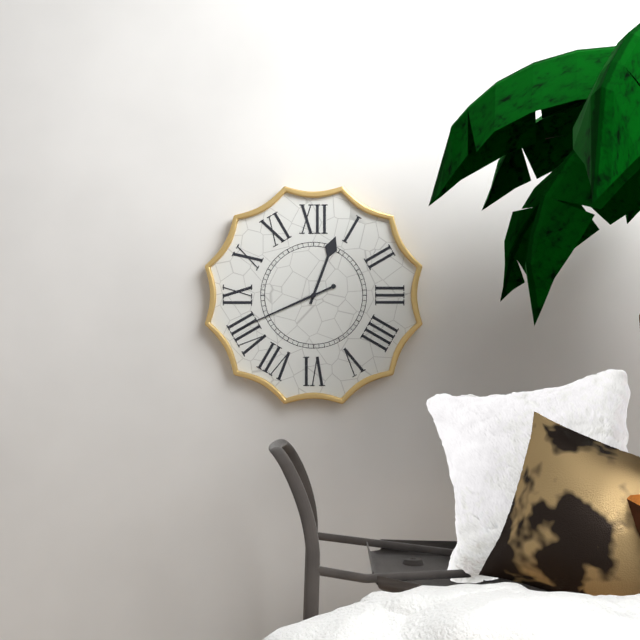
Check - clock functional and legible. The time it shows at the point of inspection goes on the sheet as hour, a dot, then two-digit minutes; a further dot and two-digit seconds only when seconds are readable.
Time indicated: 12.41
